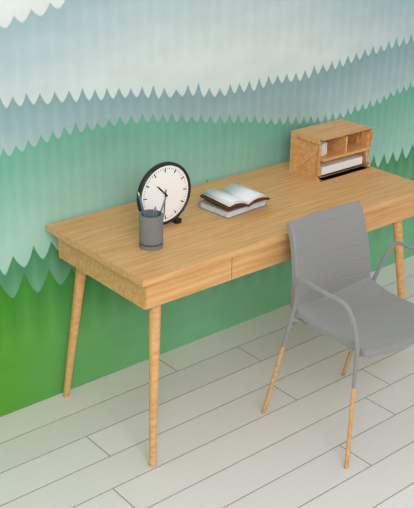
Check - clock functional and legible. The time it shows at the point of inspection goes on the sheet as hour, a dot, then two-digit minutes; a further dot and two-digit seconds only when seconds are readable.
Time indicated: 10.31
